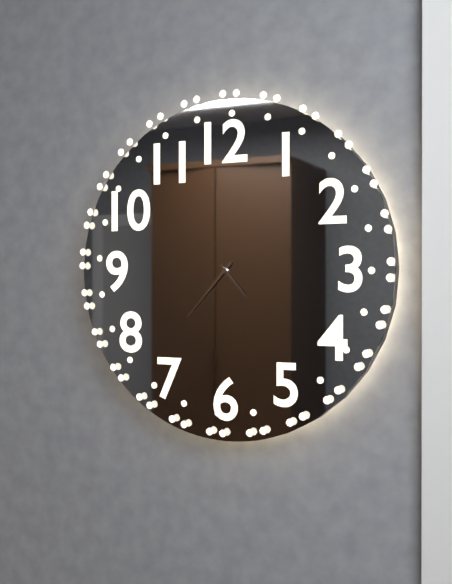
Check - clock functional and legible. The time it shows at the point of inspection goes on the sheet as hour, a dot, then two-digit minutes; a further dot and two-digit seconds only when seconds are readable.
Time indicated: 4.37
